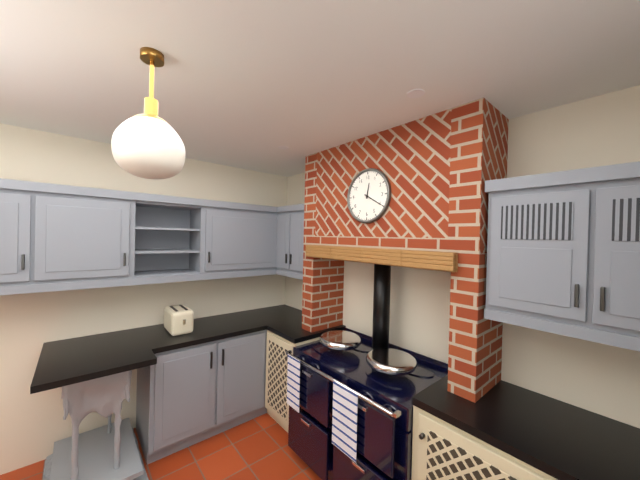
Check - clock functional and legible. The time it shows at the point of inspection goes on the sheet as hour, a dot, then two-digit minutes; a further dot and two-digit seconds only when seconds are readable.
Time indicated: 12.20
